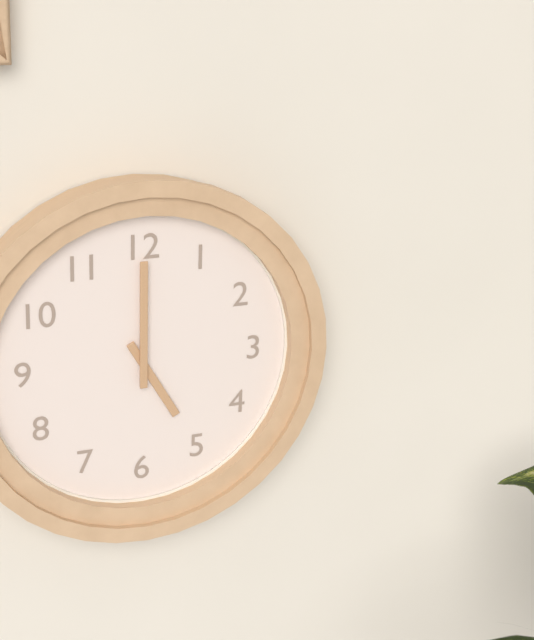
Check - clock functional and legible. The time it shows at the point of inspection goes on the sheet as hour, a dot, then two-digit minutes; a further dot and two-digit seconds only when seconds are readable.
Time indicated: 5.00
